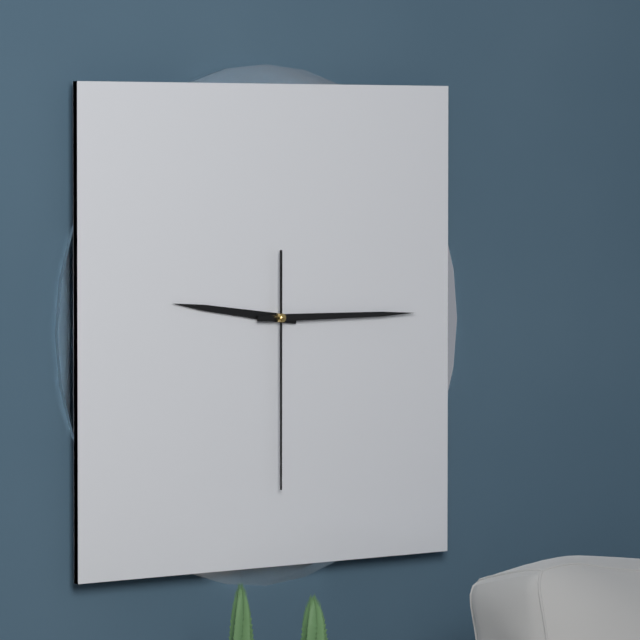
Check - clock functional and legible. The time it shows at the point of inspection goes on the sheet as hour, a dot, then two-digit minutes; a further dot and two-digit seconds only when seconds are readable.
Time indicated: 9.15.30
